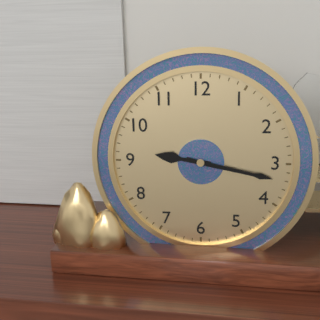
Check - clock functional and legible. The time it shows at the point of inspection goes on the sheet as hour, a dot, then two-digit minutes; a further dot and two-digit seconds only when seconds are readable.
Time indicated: 9.17
